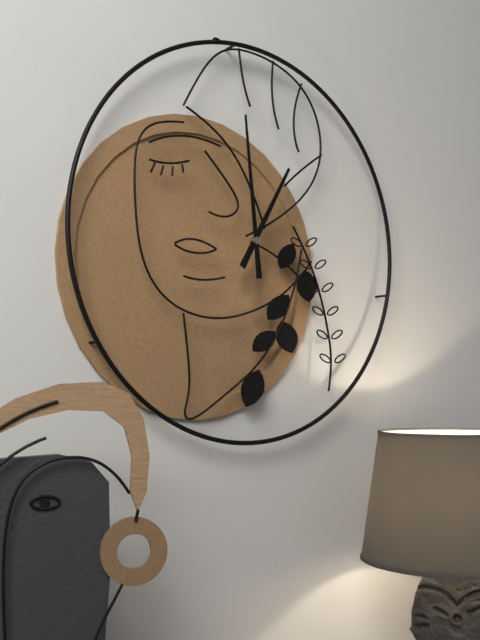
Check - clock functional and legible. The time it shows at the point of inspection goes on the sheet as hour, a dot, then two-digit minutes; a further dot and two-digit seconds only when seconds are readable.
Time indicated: 12.59
